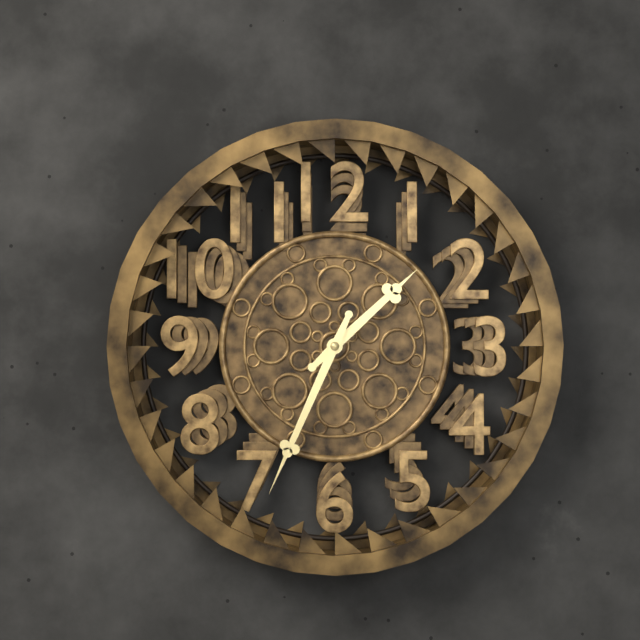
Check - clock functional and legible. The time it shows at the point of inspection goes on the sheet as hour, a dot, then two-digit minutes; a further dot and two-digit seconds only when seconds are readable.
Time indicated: 1.34
